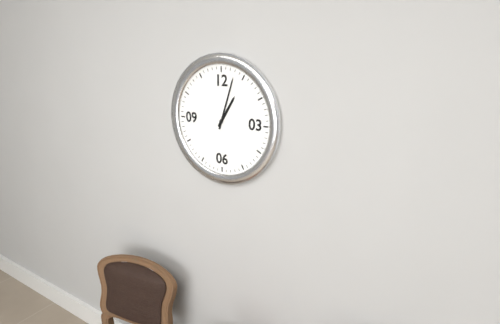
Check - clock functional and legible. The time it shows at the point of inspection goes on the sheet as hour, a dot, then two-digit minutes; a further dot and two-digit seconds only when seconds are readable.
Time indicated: 1.03
